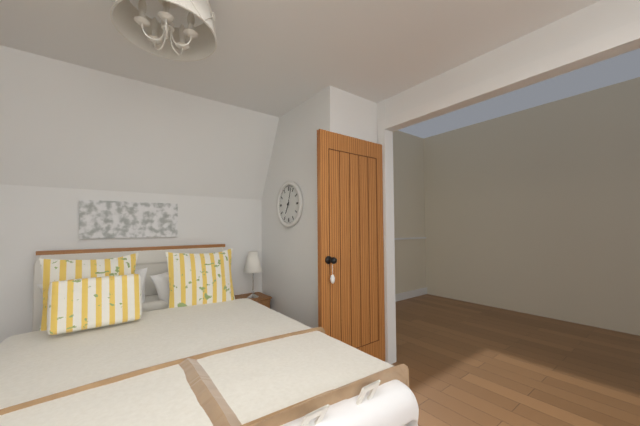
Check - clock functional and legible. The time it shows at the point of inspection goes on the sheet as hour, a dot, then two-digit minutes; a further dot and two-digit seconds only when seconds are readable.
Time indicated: 7.03
